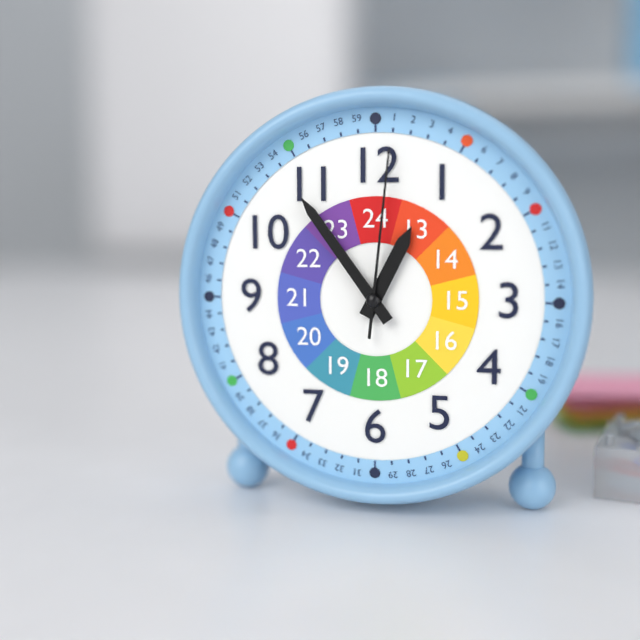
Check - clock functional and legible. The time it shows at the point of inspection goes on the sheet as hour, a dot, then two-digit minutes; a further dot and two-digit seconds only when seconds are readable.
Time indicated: 12.54.01
